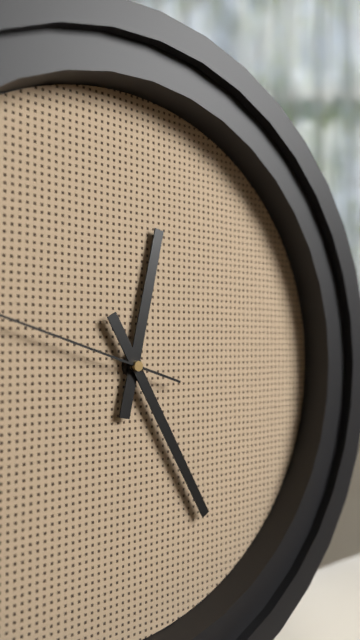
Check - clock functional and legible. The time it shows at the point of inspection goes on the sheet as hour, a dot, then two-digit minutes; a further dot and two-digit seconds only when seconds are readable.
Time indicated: 12.25
